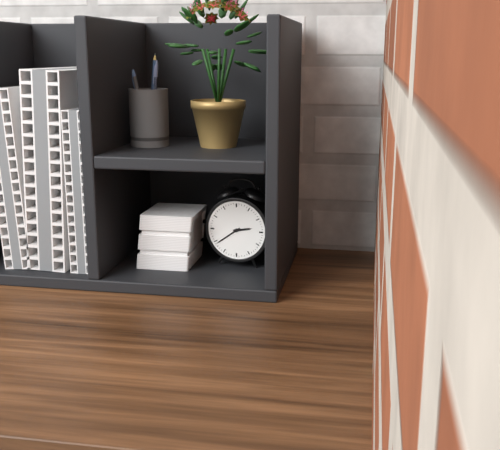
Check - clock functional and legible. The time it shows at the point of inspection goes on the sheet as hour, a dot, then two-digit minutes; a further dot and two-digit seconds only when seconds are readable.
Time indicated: 2.39
